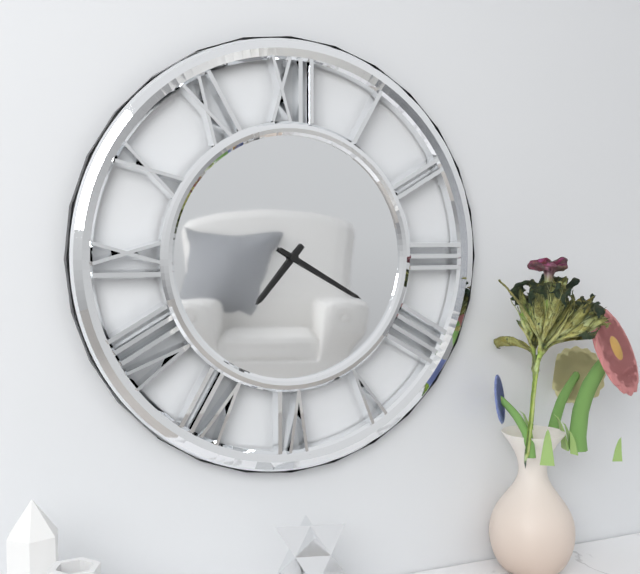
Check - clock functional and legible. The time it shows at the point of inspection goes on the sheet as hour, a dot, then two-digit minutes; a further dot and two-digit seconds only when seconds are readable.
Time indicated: 7.20
